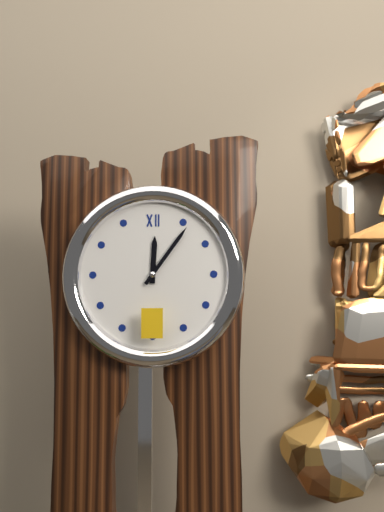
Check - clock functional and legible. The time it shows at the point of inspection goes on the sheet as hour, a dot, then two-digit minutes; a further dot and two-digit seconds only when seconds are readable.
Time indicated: 12.06
